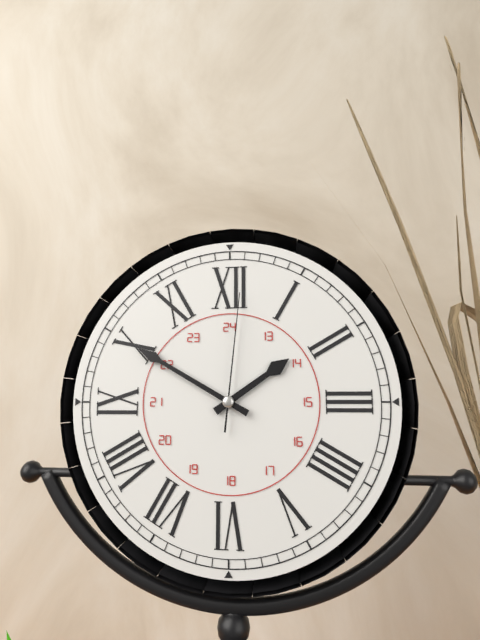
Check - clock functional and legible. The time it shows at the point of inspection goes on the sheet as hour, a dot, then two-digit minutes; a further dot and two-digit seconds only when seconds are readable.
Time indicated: 1.50.01
